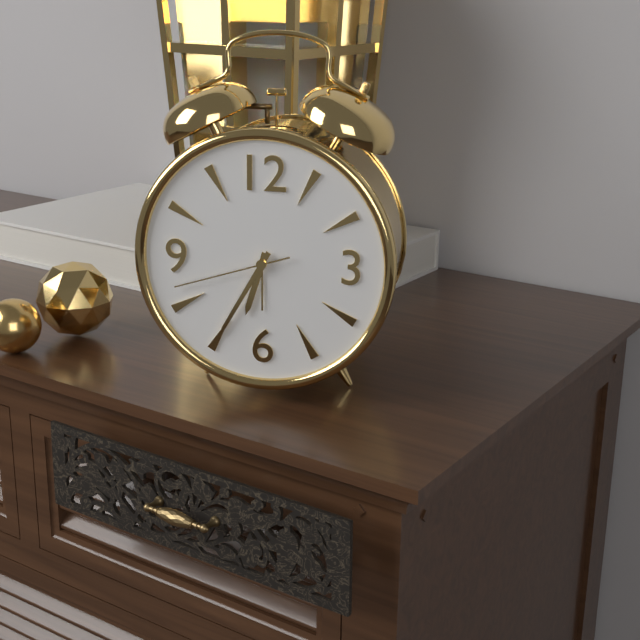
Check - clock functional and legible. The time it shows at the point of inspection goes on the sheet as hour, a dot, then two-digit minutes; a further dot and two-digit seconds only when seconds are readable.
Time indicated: 6.35.42
